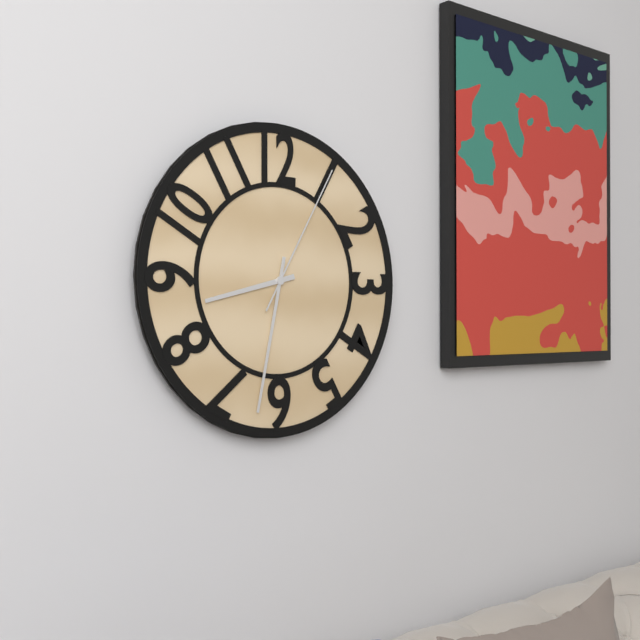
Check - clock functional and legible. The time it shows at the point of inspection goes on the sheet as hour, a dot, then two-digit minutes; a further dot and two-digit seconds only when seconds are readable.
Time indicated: 8.32.05
